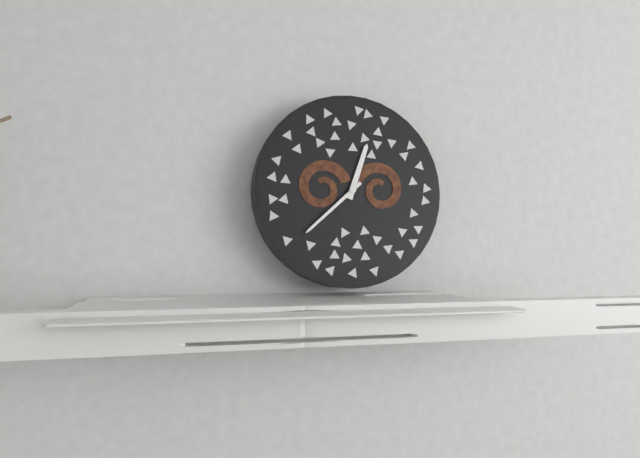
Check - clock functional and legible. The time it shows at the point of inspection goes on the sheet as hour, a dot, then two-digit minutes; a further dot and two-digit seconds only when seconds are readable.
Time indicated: 12.38
